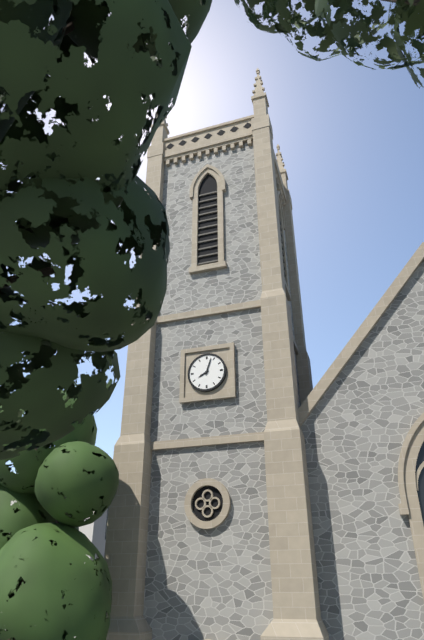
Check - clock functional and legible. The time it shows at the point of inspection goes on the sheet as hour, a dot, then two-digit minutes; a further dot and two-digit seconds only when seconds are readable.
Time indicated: 8.03
